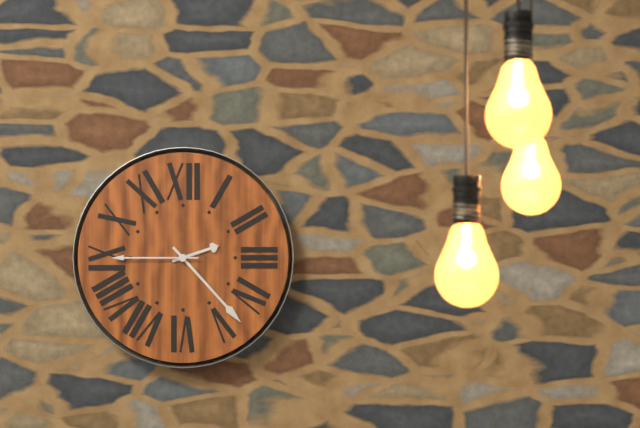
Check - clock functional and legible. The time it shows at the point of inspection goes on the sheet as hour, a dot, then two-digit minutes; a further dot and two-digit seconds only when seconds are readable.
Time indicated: 2.23.45
